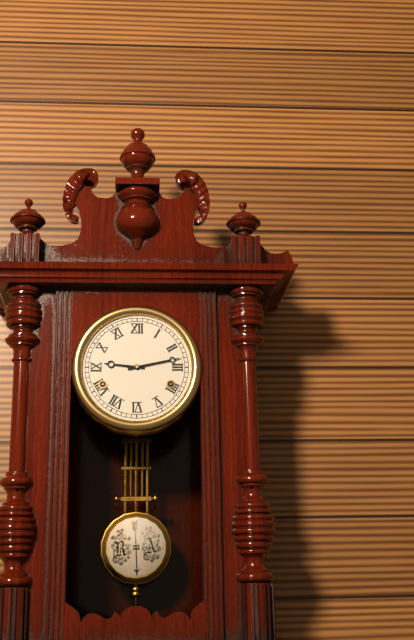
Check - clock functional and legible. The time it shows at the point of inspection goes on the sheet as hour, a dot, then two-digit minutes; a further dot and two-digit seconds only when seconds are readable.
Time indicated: 9.13
